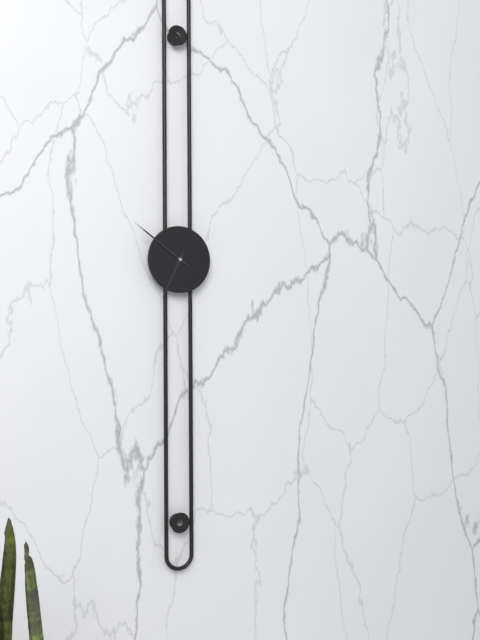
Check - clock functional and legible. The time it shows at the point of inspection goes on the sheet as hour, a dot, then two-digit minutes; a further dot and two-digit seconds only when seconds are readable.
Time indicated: 6.51
